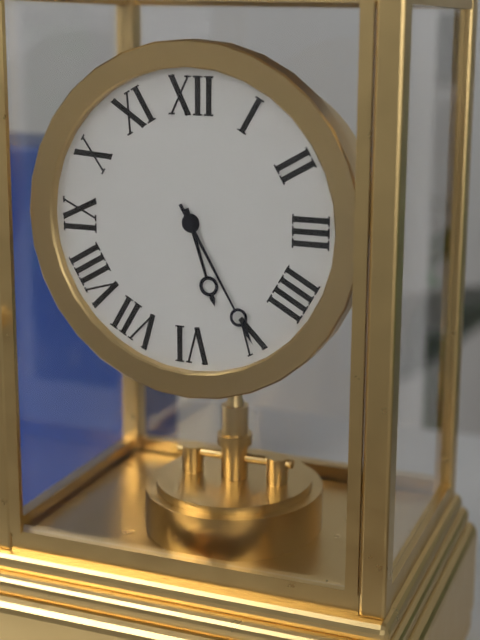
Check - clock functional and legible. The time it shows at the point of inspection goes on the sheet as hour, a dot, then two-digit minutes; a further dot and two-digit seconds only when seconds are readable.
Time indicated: 5.25
